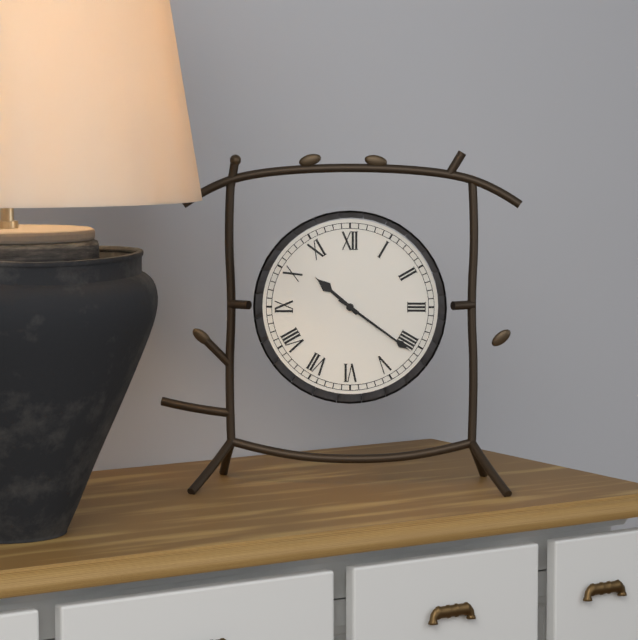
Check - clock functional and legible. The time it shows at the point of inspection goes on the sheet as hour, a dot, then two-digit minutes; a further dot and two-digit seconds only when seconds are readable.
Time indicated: 10.21
